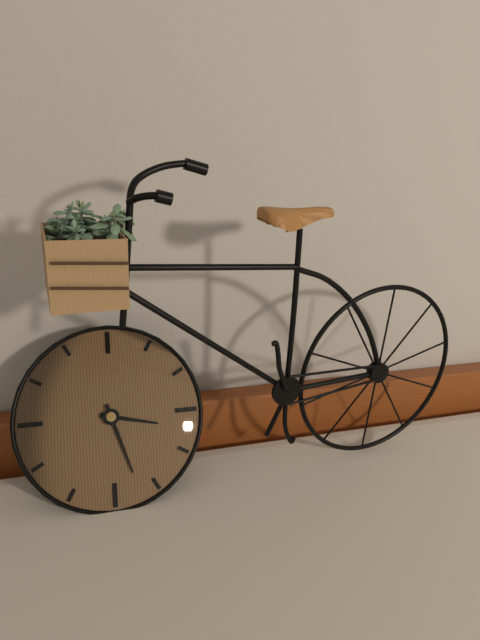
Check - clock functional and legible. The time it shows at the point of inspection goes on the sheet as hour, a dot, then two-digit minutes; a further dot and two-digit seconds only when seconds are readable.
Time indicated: 3.27
